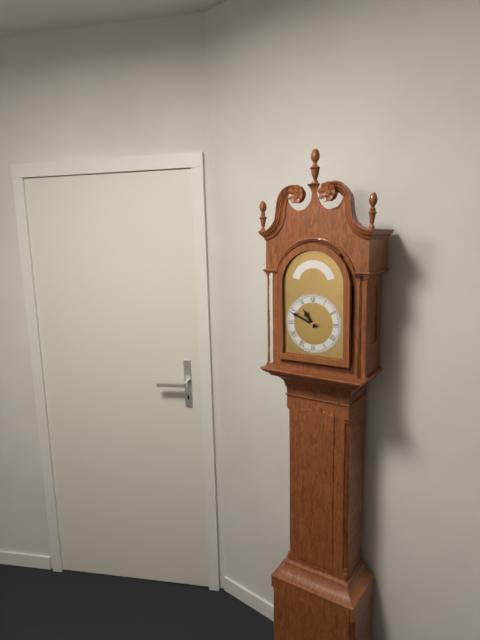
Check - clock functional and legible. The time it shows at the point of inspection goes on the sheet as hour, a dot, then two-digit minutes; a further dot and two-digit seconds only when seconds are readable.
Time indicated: 10.49
